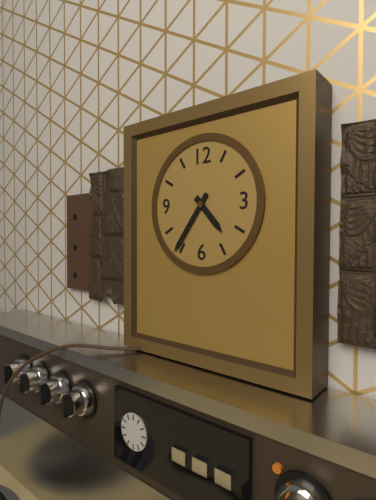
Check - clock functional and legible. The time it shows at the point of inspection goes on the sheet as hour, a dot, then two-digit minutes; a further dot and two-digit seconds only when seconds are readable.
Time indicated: 4.36
